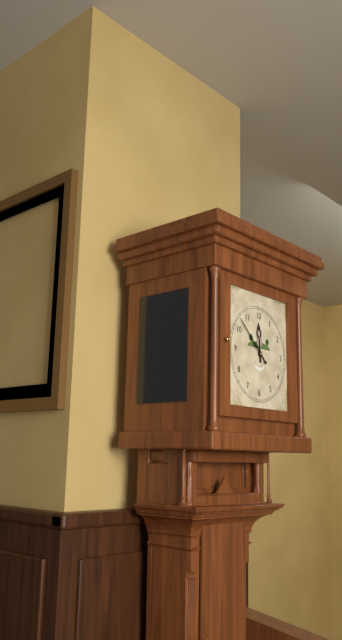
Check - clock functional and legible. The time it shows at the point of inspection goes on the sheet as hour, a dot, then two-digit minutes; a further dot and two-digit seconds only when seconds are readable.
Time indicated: 11.52
